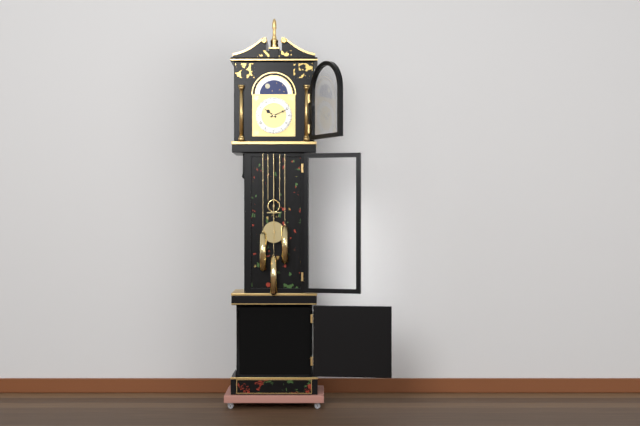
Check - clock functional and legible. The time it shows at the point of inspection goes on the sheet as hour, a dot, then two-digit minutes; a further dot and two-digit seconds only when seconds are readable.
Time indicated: 10.11
